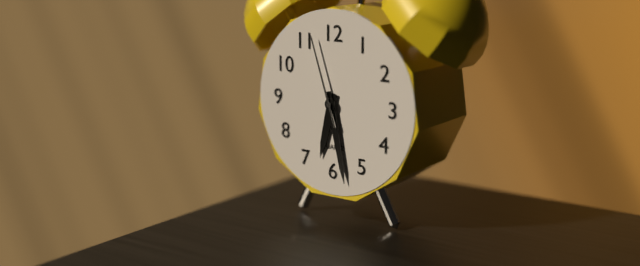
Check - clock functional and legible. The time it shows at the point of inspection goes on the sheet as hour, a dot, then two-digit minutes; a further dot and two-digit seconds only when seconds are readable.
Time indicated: 6.28.57
